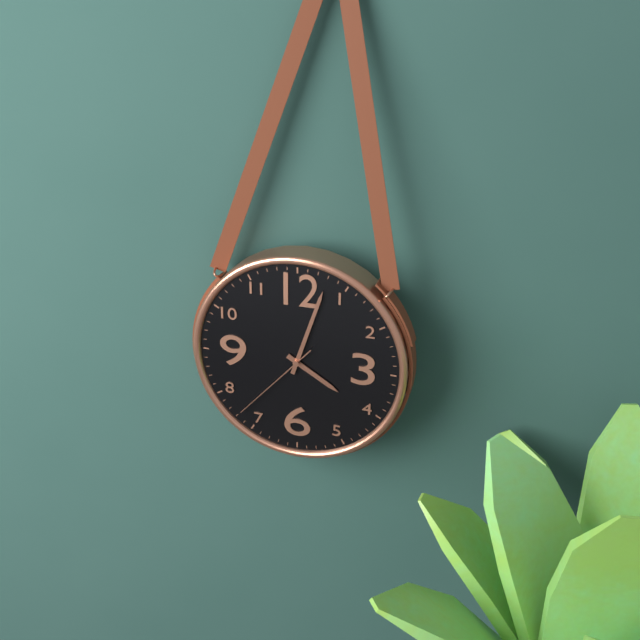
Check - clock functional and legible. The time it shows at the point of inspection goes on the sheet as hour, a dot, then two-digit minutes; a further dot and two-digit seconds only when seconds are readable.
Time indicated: 4.03.37
